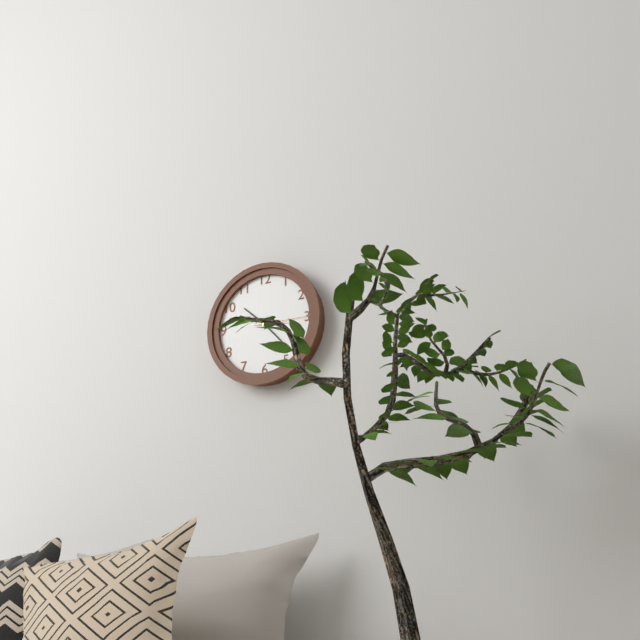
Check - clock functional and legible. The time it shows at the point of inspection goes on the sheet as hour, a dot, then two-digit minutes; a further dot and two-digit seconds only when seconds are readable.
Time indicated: 10.23.15
